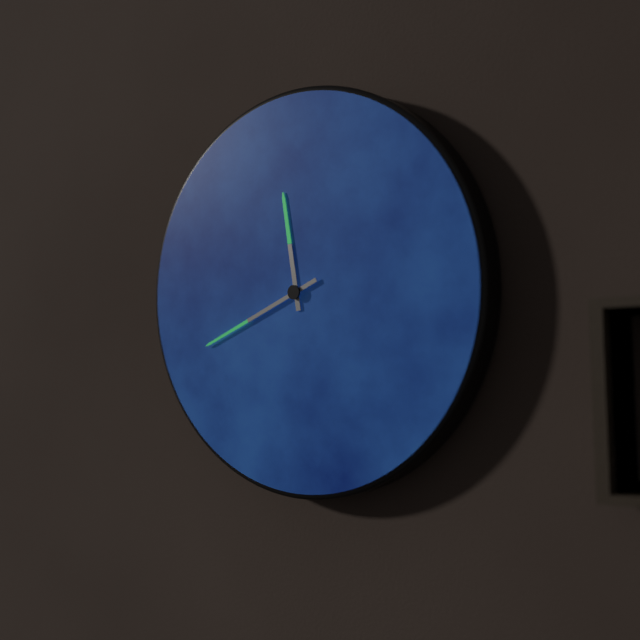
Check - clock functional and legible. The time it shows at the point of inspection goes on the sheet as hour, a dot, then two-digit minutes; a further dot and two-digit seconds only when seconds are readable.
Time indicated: 11.41
